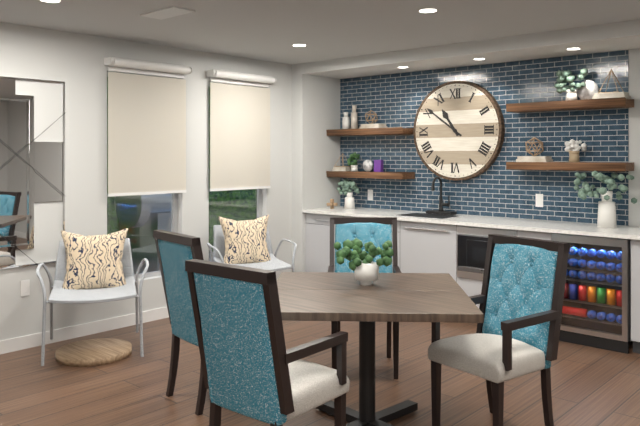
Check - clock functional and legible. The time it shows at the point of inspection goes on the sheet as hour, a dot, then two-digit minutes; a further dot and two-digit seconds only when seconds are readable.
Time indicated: 10.51
